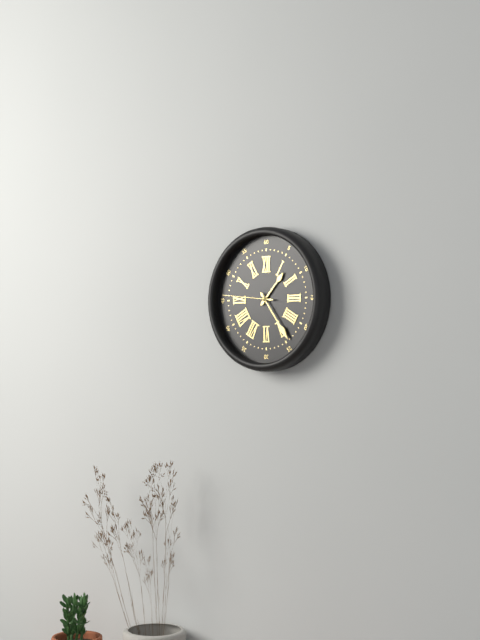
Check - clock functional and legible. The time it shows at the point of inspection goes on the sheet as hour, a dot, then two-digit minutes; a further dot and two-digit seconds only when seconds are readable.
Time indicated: 1.24.46
